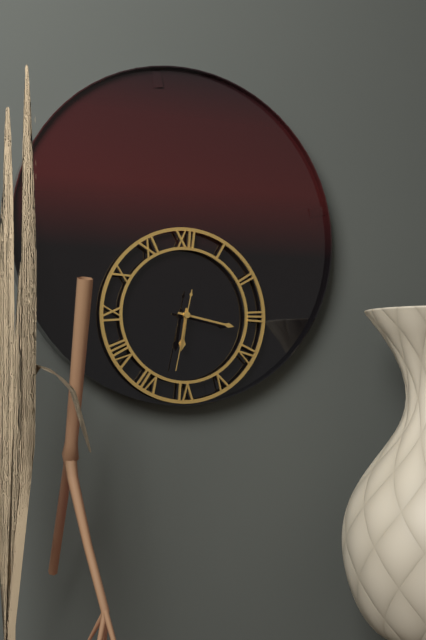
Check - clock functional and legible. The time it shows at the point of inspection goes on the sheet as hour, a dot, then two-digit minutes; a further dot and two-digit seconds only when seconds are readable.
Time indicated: 6.17.32
